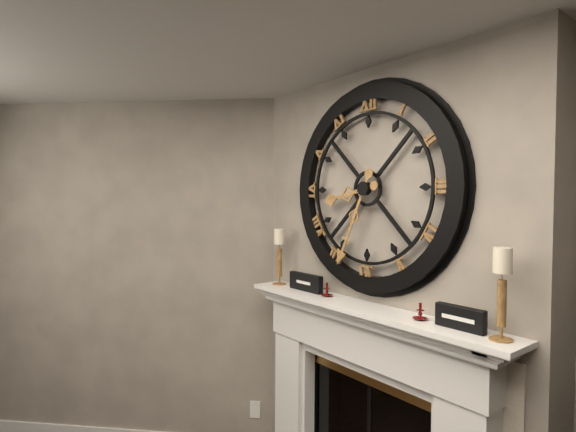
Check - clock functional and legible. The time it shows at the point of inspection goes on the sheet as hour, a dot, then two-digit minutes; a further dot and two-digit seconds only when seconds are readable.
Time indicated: 8.34
